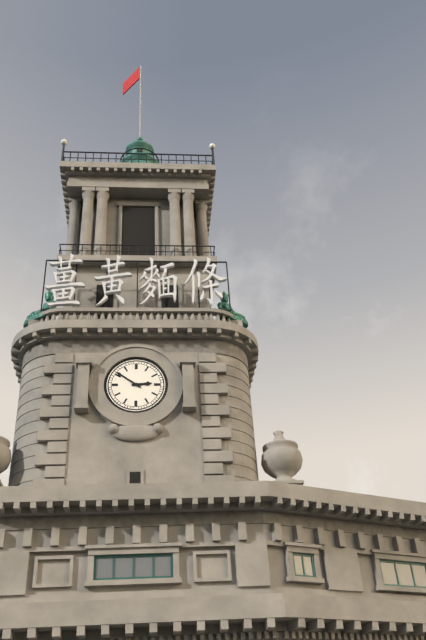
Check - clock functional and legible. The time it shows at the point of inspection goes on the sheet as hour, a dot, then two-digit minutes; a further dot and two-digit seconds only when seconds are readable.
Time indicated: 2.51
